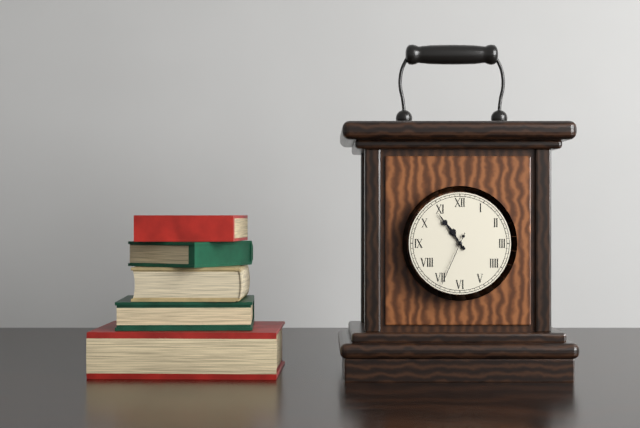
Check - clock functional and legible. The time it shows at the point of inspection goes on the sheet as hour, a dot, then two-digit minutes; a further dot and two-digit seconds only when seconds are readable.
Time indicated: 10.54.34
